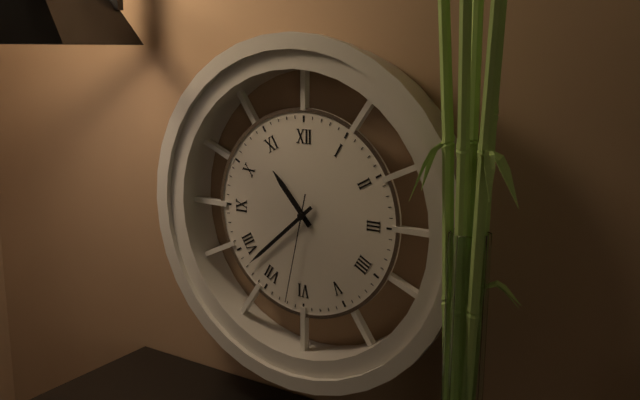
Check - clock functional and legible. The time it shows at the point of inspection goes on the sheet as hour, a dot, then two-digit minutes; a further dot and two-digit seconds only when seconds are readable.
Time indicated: 10.38.32
